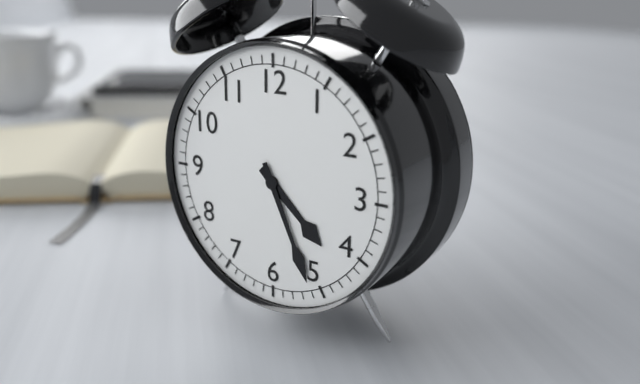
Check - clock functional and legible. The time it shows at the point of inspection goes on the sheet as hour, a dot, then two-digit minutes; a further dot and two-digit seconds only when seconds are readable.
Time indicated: 4.26
